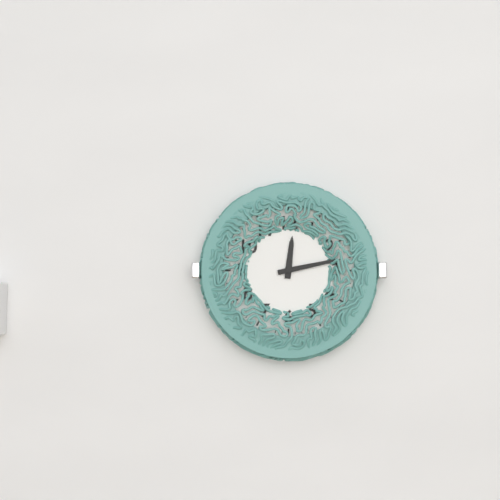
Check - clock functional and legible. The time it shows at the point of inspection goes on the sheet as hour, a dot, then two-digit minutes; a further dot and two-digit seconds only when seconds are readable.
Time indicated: 12.13
